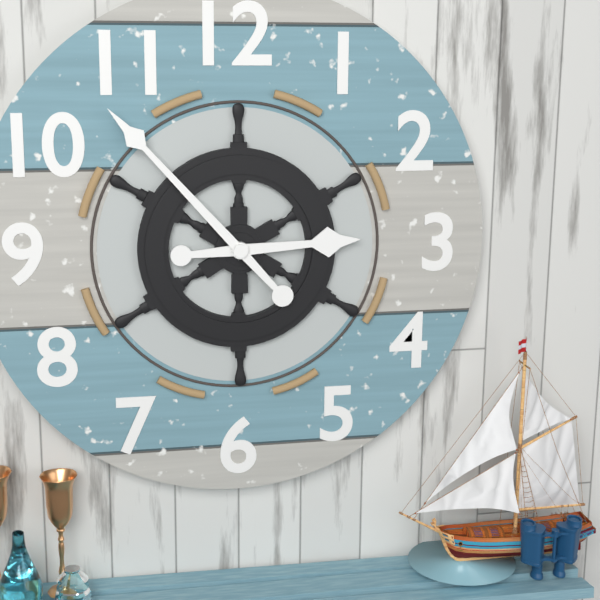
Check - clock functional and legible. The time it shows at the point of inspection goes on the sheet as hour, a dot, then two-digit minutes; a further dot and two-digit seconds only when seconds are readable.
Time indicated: 2.53
